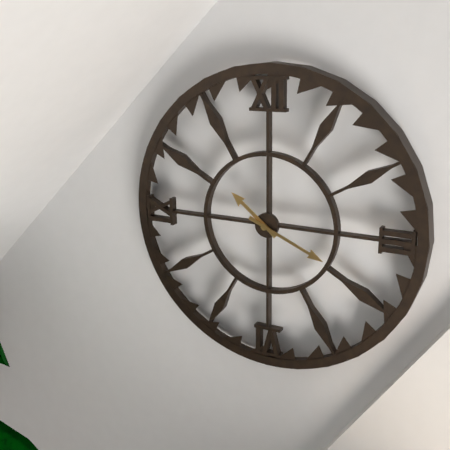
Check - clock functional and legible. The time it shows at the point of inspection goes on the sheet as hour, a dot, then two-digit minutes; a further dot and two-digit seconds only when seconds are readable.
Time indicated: 10.19
